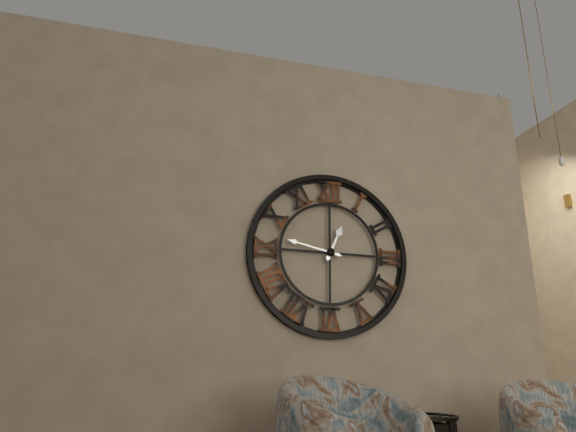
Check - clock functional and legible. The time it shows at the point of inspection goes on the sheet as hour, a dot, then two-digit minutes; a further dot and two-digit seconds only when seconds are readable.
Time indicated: 12.47
